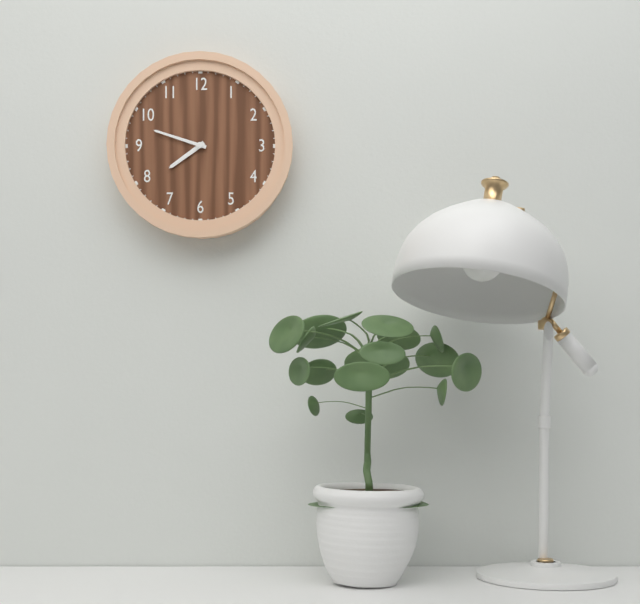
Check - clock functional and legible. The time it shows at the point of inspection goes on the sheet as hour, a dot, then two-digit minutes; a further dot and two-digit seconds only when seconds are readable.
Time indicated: 7.48
